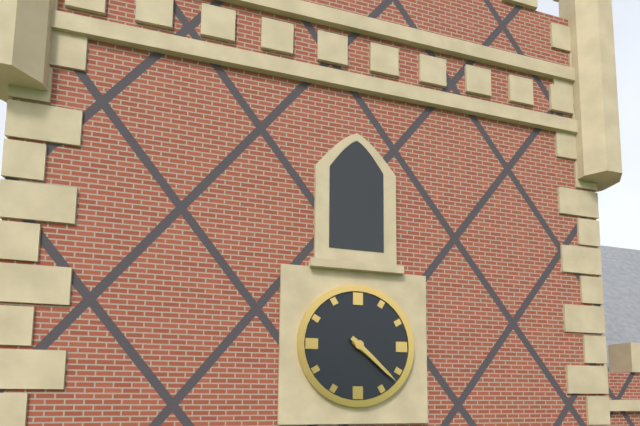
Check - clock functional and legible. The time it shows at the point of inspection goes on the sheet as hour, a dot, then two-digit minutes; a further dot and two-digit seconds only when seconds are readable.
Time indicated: 4.22
